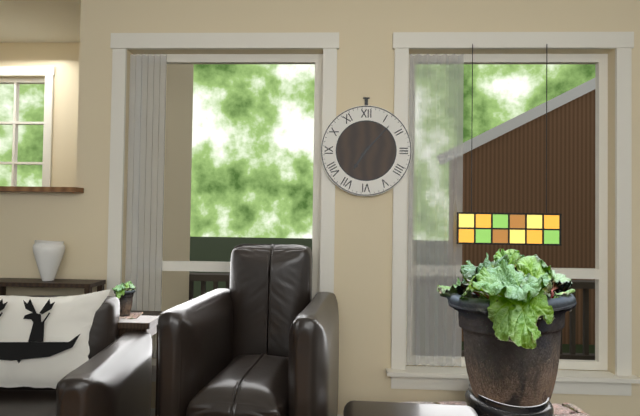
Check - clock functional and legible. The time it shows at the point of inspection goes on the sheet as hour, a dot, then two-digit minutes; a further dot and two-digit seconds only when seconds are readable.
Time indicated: 7.07
